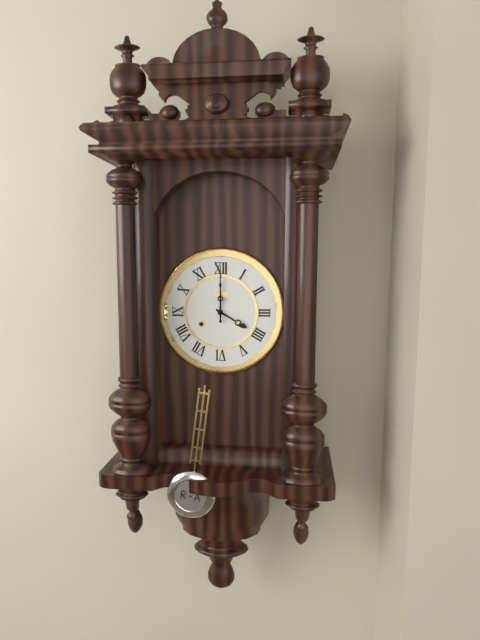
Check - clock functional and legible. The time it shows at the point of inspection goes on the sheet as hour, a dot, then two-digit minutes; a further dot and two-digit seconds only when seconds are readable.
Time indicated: 4.00
